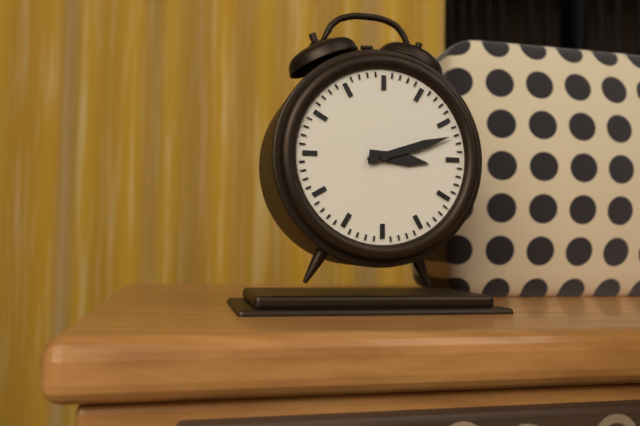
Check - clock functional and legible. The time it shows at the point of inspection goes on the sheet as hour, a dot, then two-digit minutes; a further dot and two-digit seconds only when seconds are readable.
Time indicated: 3.12
